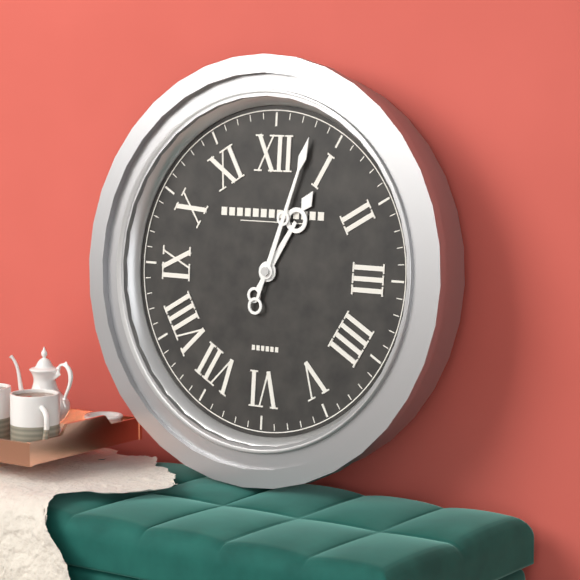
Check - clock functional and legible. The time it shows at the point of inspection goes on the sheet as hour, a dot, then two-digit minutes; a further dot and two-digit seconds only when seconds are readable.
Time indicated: 1.03
